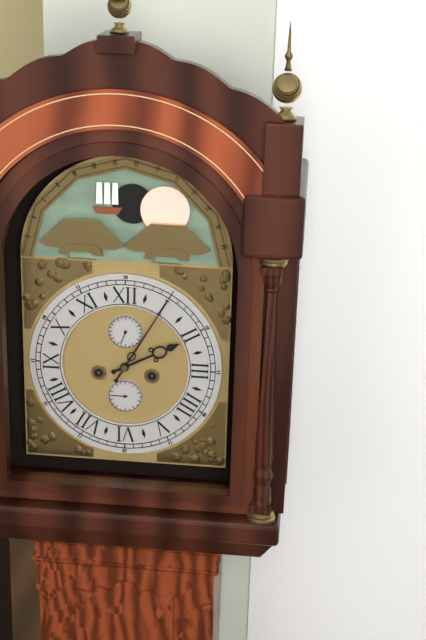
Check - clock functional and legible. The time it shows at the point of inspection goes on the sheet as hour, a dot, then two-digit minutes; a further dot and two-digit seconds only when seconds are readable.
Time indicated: 2.05
